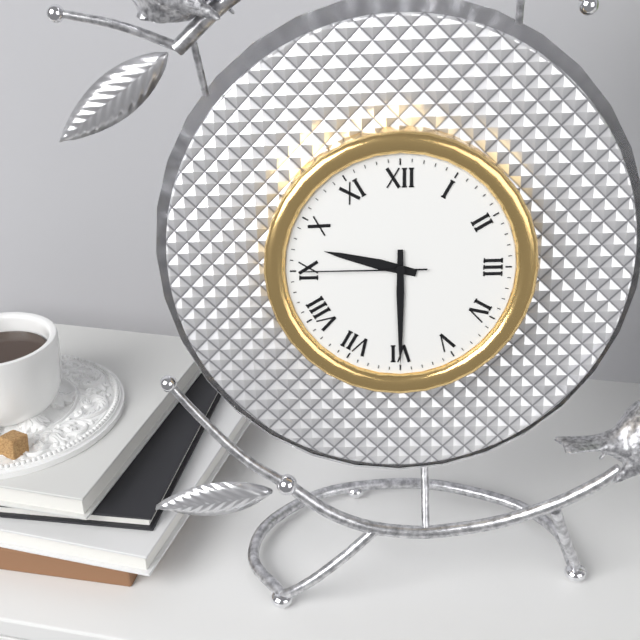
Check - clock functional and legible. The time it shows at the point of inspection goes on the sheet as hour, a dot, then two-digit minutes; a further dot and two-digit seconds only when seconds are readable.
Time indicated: 9.30.45
